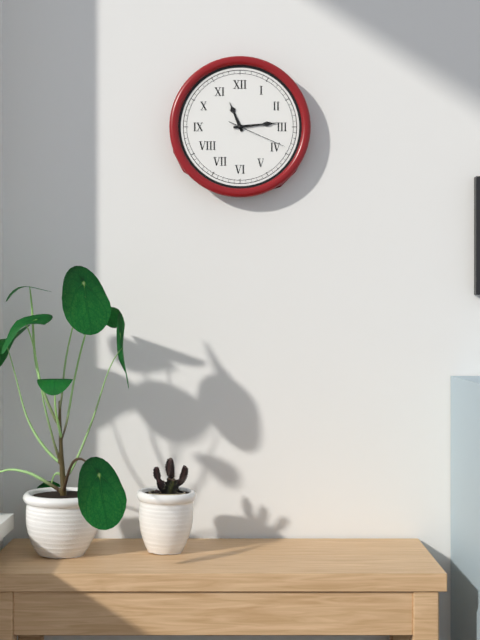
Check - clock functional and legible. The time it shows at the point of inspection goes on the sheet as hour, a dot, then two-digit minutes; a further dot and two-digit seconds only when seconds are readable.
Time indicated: 11.14.19
